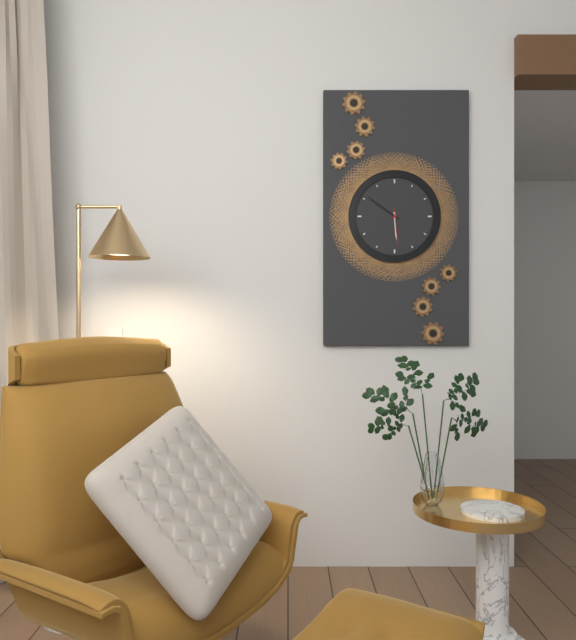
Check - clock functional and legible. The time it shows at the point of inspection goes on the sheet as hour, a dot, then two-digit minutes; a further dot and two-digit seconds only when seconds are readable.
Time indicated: 5.51
